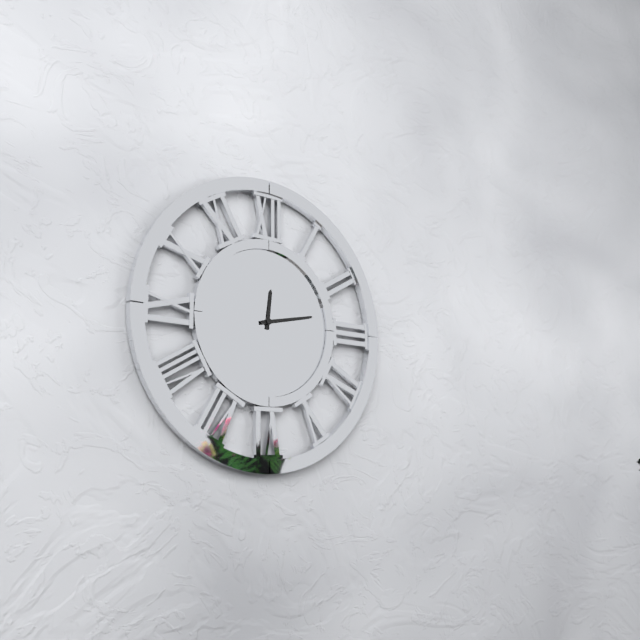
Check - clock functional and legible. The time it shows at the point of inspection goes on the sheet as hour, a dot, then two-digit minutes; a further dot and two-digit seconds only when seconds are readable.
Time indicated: 12.13
